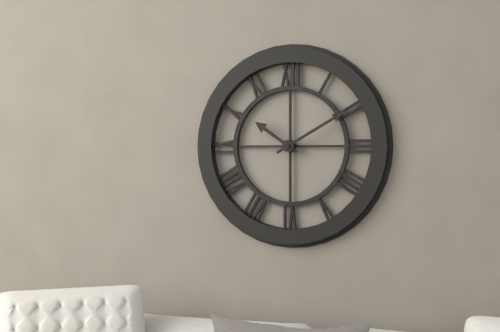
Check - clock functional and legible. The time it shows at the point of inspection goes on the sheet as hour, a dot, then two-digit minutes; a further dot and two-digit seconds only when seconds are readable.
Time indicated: 10.10
